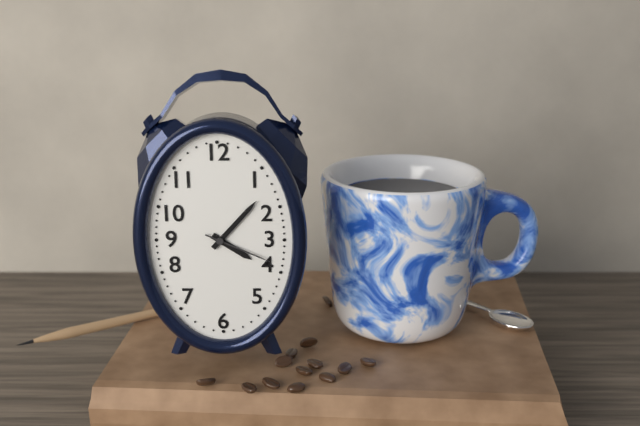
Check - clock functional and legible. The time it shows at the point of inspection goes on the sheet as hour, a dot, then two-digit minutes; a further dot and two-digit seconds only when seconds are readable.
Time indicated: 4.07.19
